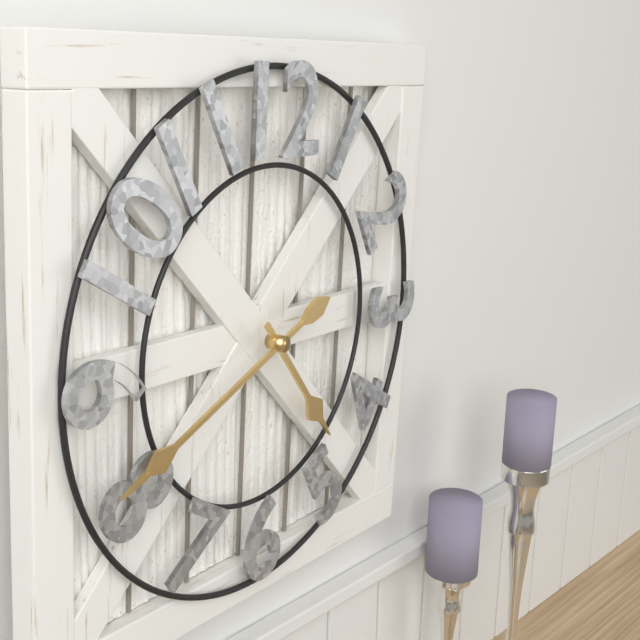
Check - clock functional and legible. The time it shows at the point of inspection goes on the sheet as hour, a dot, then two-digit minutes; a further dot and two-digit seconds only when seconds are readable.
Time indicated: 4.41
